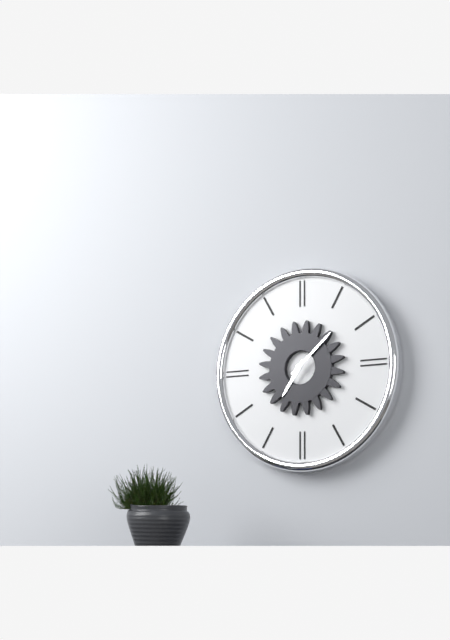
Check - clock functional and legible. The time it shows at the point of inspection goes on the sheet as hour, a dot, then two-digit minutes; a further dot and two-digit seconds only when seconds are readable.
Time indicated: 7.08
